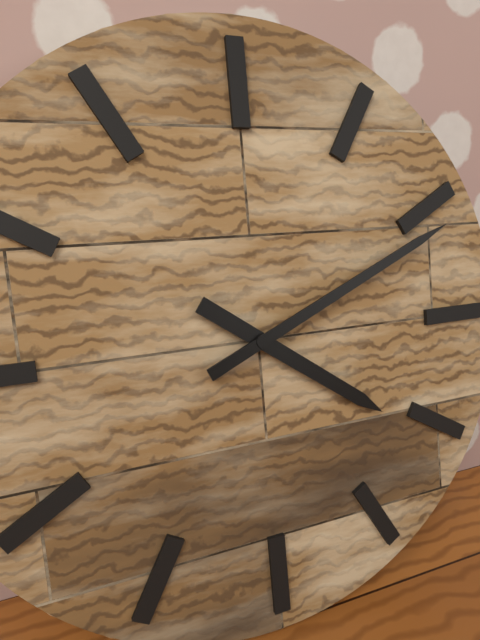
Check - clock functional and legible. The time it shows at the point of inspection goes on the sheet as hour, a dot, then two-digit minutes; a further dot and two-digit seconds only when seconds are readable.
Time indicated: 4.11
